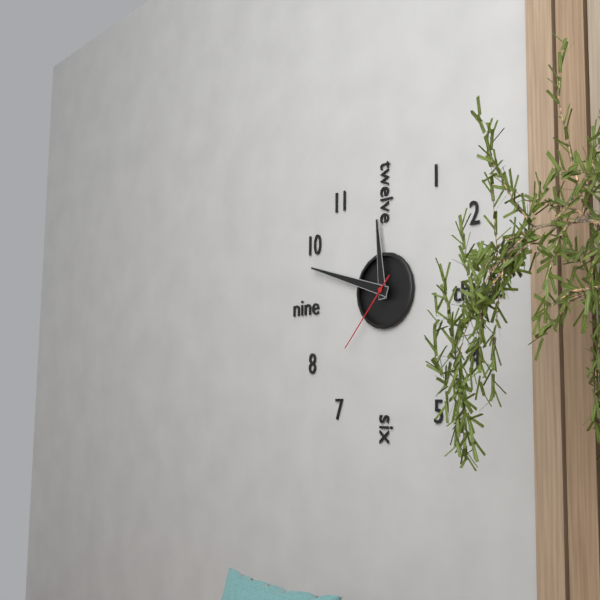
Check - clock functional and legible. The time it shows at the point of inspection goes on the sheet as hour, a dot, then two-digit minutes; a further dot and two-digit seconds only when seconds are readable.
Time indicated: 11.48.37
